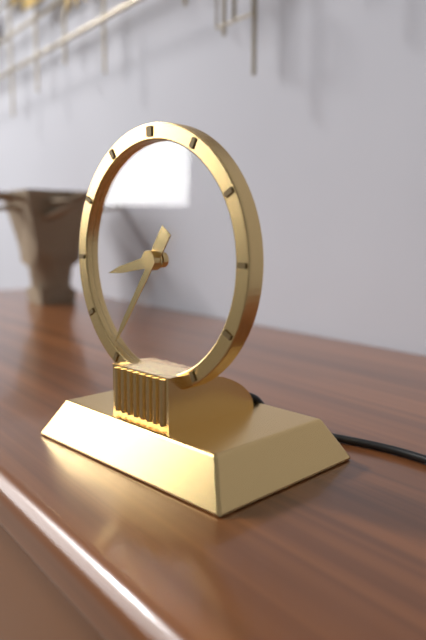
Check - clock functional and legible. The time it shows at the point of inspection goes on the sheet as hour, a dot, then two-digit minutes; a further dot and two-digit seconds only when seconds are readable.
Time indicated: 8.36
